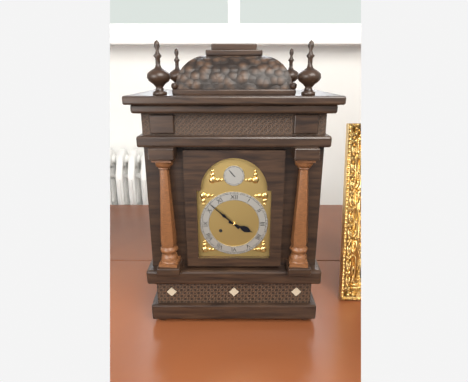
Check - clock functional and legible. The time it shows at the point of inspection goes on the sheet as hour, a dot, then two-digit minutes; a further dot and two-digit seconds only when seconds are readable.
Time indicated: 3.52
